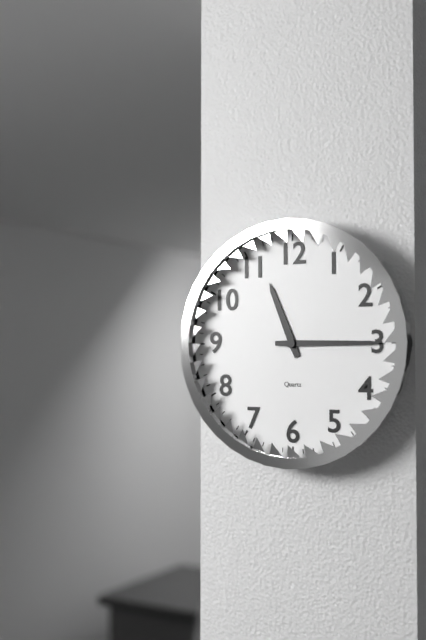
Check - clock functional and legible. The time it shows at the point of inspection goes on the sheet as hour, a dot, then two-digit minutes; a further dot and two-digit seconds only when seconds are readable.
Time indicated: 11.15
